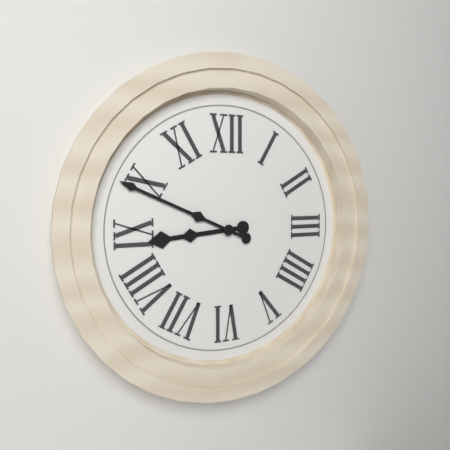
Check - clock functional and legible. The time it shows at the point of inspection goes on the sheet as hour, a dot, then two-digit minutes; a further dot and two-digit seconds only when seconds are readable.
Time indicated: 8.49
